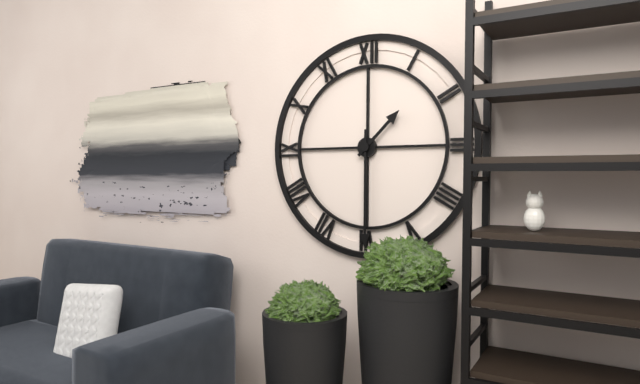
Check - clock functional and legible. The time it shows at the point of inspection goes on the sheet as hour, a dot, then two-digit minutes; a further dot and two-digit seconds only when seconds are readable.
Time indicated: 1.30
